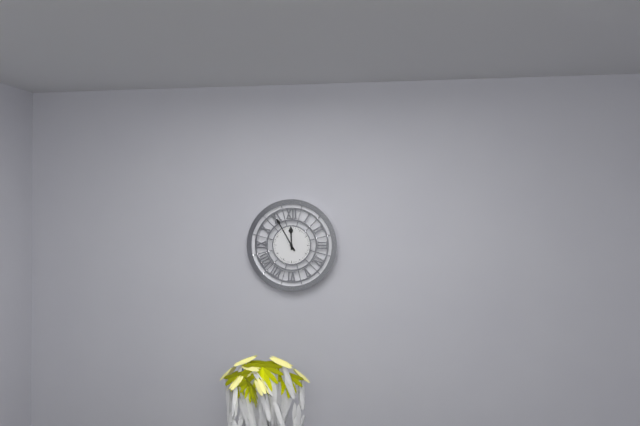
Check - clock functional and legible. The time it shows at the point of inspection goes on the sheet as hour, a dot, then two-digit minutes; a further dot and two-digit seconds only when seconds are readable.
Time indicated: 11.55
